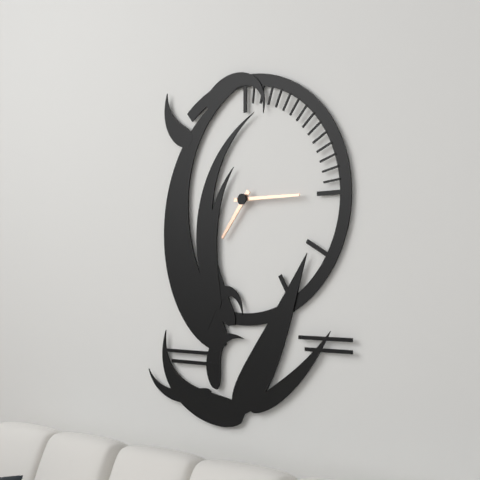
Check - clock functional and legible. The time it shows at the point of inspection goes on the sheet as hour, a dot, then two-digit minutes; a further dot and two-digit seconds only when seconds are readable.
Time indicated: 7.15
